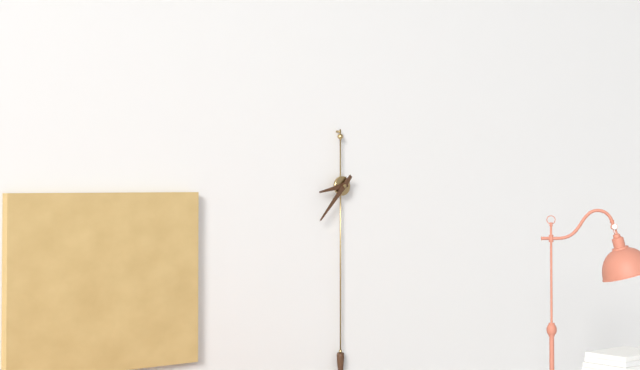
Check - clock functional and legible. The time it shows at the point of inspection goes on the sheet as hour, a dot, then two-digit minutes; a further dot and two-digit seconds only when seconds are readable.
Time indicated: 8.37
